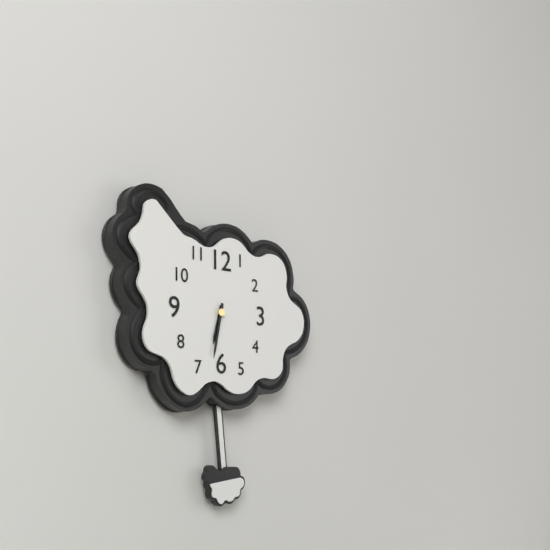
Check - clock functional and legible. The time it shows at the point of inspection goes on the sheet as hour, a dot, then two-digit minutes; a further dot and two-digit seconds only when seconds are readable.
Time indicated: 6.32
